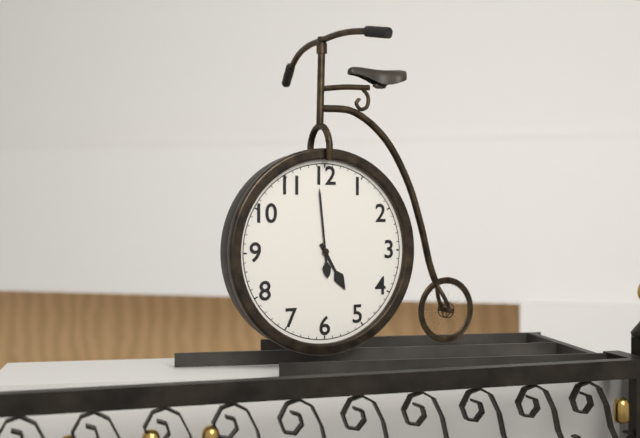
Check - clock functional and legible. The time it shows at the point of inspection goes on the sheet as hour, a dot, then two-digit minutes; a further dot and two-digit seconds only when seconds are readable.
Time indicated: 4.59
